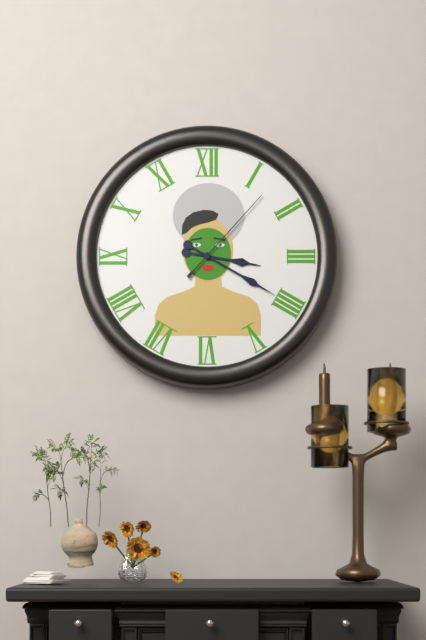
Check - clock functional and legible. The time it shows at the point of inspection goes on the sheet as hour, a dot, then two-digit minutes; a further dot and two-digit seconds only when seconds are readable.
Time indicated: 3.20.07
